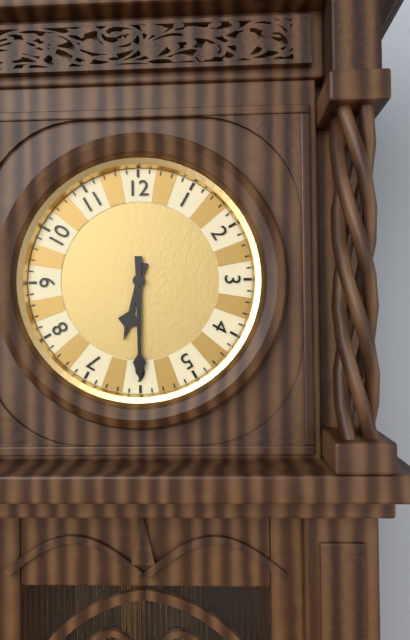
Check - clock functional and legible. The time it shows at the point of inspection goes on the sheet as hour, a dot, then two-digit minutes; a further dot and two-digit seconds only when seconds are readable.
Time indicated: 6.30
